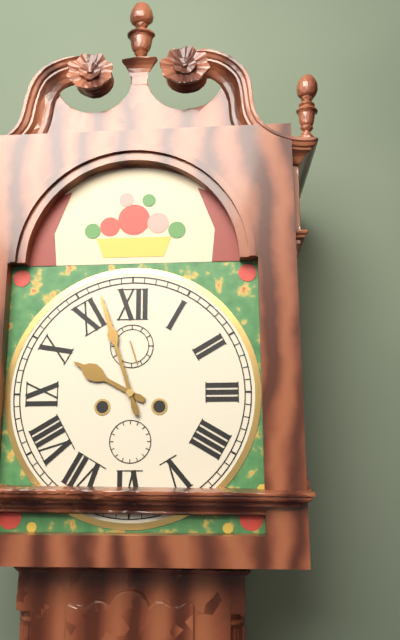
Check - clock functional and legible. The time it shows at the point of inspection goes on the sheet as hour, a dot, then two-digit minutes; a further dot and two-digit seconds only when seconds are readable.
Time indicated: 9.57
